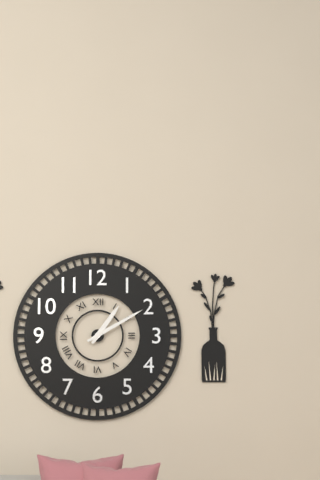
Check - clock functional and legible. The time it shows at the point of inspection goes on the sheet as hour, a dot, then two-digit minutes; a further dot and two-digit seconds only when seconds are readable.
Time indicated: 1.10
